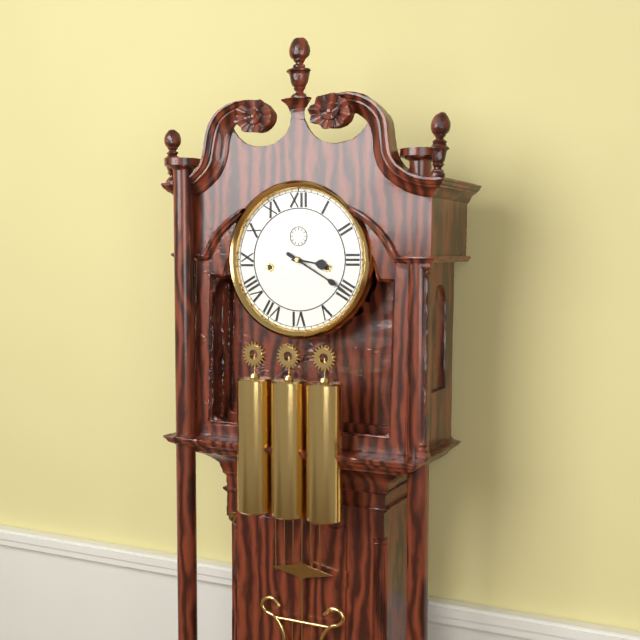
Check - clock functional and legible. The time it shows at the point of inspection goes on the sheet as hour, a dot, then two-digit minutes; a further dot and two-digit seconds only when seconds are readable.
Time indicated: 3.20
